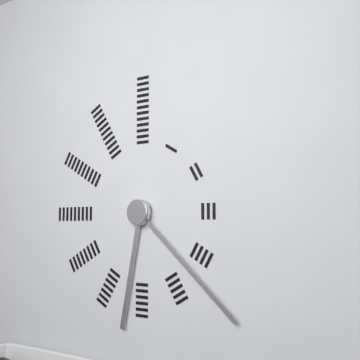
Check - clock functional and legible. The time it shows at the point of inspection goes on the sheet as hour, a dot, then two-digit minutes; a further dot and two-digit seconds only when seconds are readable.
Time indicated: 6.22
